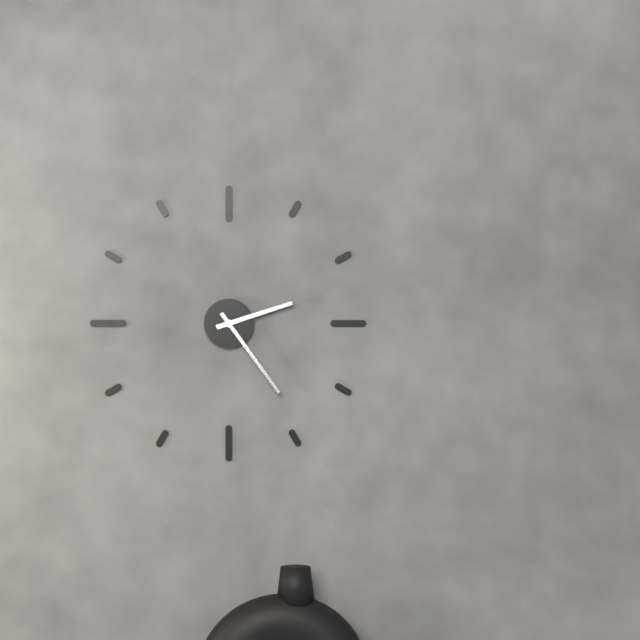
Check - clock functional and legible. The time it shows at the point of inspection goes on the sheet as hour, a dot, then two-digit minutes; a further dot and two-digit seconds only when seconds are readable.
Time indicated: 2.24
